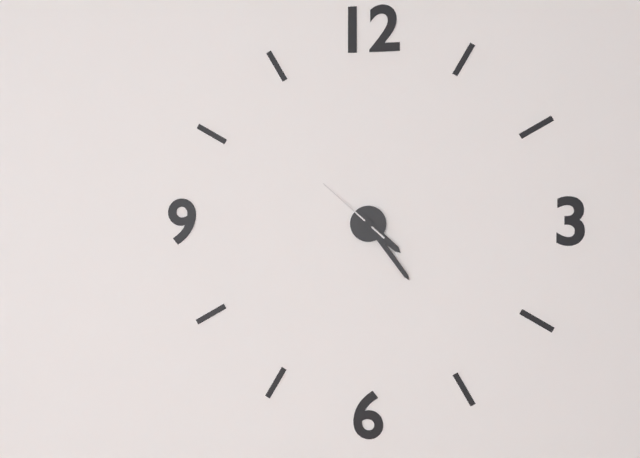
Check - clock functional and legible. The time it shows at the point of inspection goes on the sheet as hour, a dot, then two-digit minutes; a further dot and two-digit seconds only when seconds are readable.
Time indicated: 4.24.52
